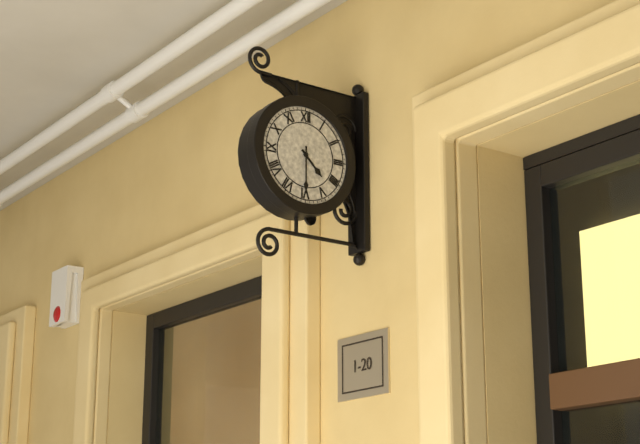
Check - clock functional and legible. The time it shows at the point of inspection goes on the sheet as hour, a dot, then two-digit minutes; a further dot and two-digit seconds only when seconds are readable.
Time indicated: 4.30
